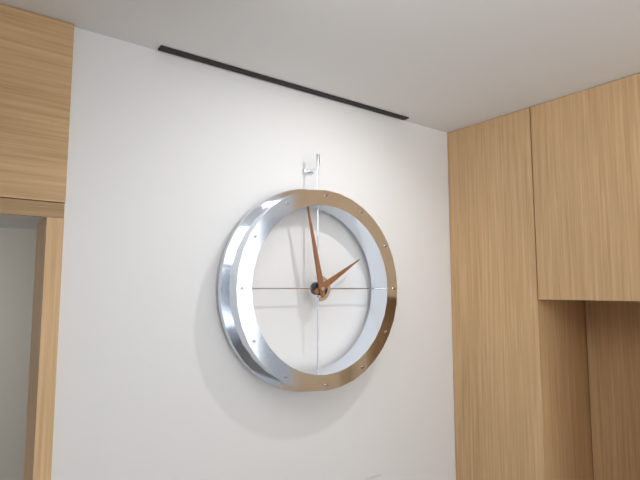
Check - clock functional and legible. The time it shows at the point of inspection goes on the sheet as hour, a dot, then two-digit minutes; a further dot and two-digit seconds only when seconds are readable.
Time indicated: 1.58
